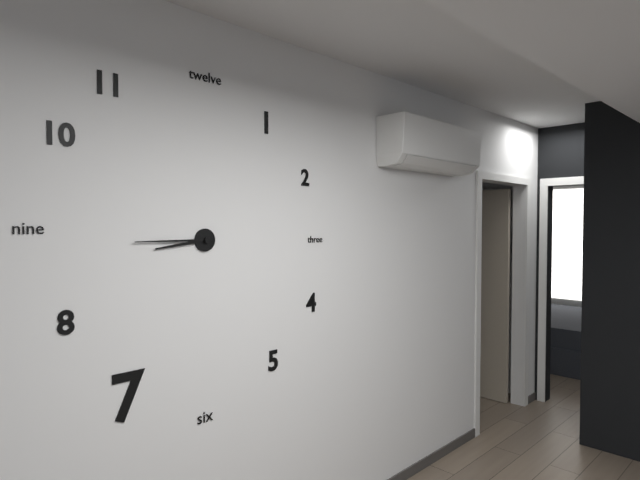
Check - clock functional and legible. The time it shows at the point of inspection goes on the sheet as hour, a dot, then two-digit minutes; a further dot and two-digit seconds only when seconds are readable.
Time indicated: 8.45
